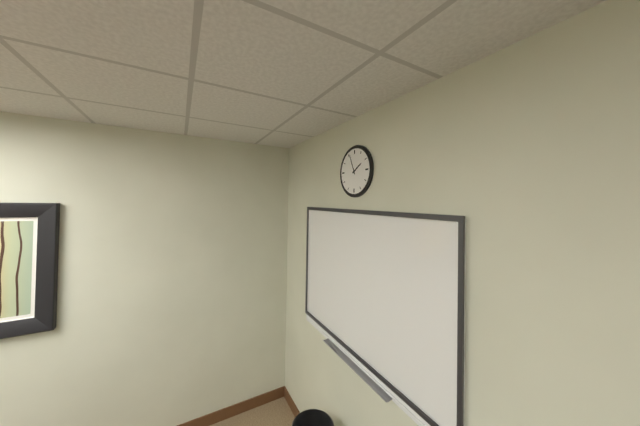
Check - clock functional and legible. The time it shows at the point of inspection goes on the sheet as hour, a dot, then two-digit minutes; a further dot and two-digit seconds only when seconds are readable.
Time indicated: 1.56
